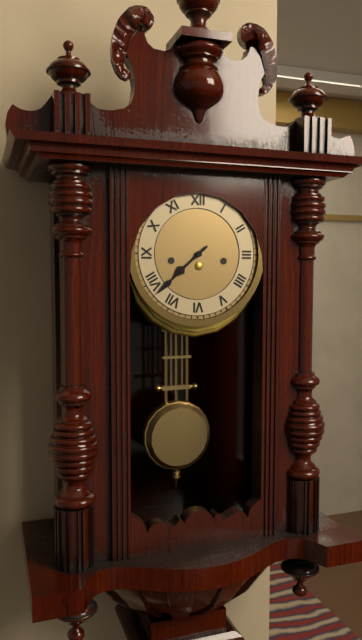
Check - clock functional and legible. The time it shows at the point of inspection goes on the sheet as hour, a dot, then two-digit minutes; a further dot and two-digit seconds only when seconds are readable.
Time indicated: 7.38
